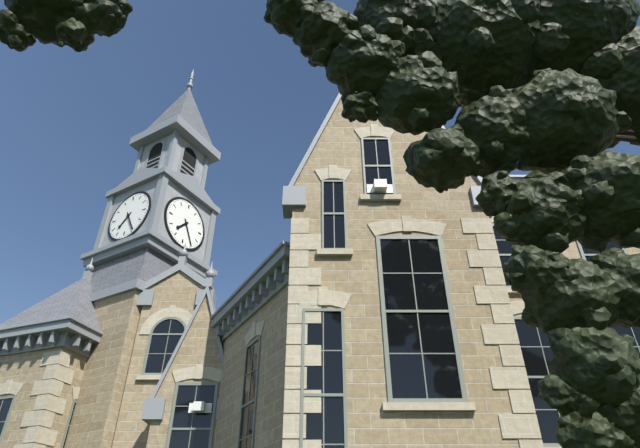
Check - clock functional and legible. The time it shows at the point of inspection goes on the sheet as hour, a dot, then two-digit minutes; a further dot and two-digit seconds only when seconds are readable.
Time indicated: 7.25
